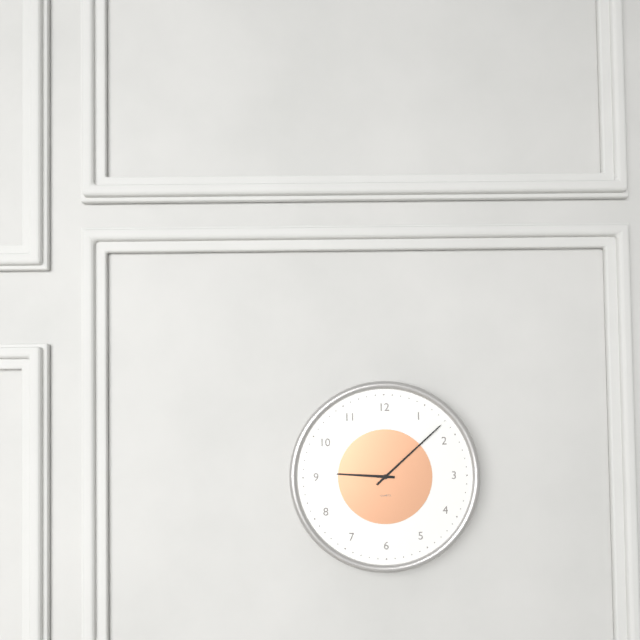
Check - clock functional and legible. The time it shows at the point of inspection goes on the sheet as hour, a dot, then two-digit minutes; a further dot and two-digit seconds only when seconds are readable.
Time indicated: 9.08
